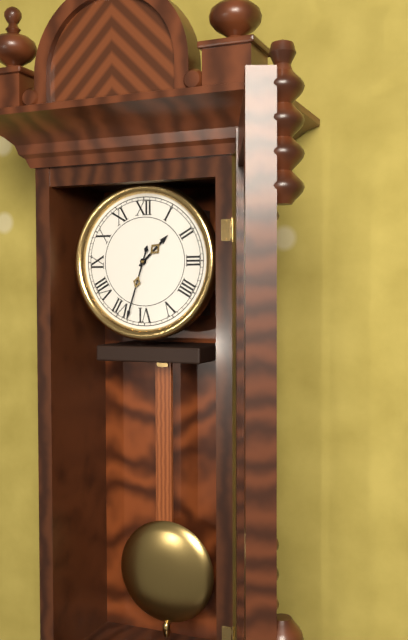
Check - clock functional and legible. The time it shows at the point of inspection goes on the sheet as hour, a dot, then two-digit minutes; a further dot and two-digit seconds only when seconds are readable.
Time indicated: 1.33
